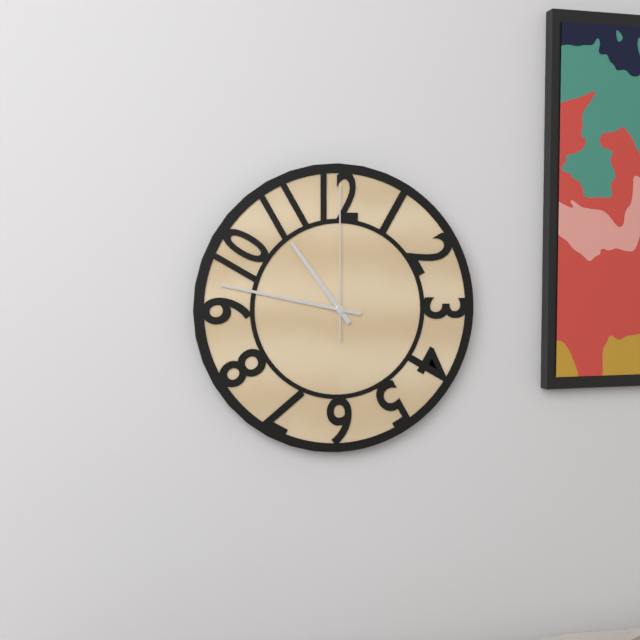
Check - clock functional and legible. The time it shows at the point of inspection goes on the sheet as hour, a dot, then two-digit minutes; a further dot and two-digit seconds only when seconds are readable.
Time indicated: 10.47.00
